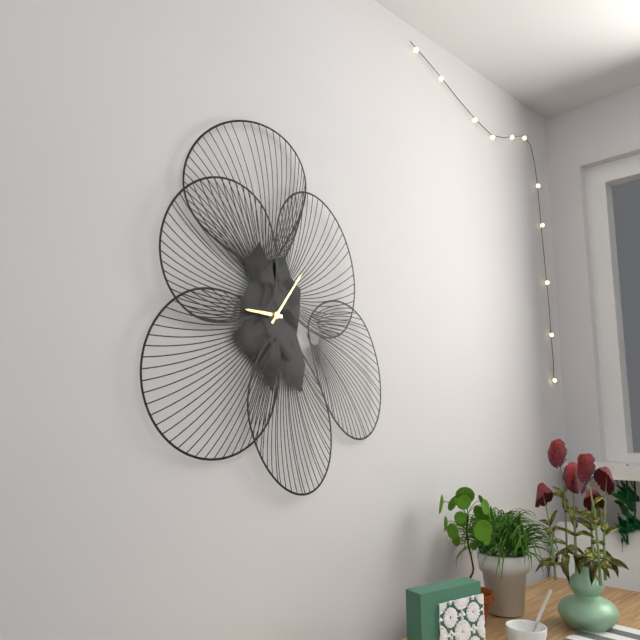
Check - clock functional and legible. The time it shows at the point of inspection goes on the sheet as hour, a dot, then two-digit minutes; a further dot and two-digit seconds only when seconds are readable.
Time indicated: 9.06
